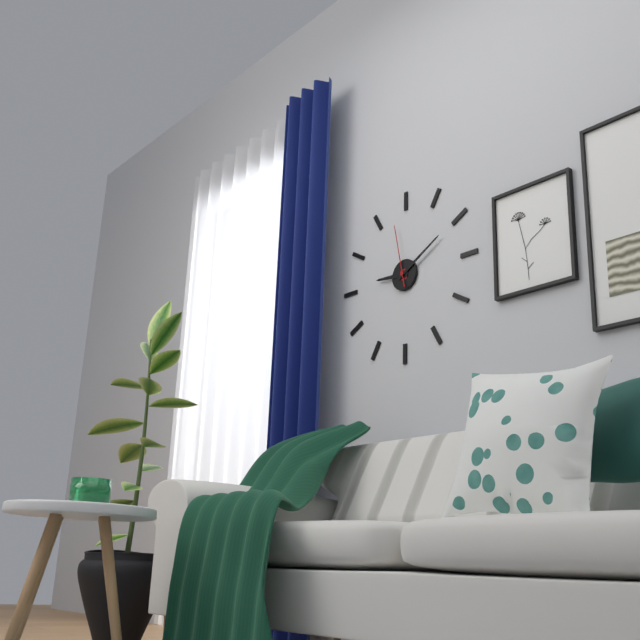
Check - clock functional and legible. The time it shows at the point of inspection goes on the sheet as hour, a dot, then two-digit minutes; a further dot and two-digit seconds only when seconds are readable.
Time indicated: 9.10.58
